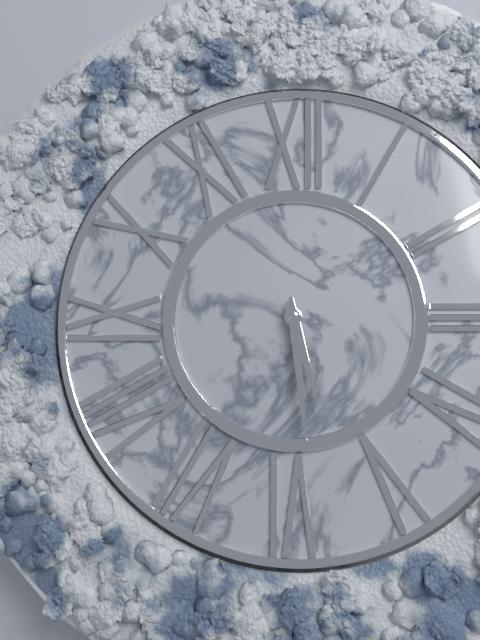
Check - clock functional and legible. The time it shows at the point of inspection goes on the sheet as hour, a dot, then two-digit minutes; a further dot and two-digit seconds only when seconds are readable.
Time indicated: 5.29
